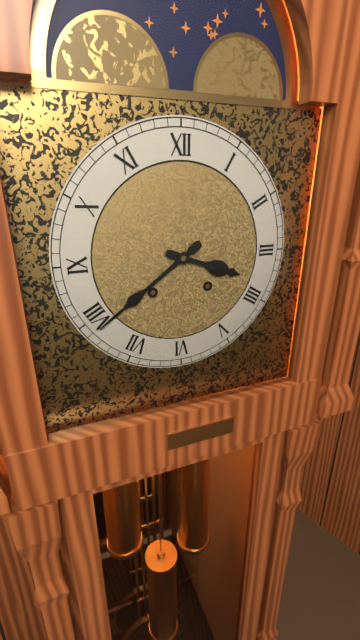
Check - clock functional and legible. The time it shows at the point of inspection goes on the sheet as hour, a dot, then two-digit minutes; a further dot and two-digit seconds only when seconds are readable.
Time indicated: 3.39
